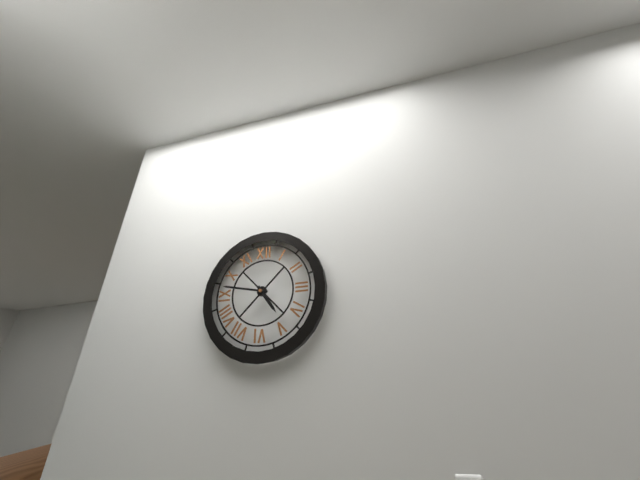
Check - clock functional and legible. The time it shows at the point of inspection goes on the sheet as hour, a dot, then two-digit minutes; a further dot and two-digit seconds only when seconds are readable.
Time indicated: 4.47
